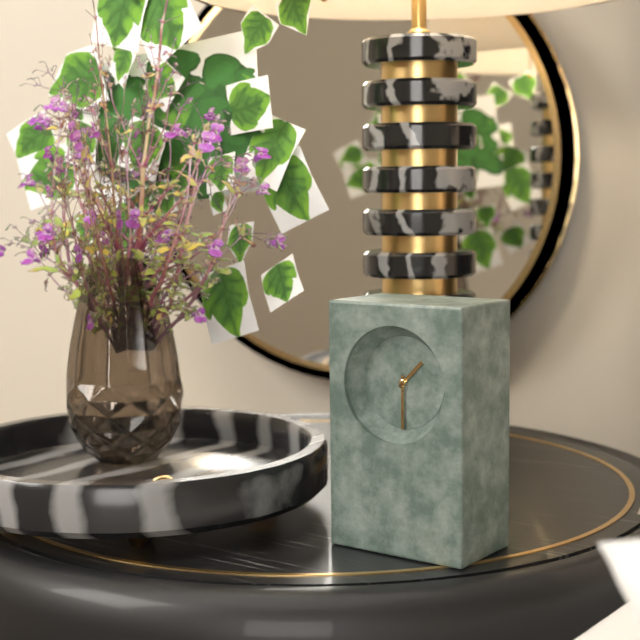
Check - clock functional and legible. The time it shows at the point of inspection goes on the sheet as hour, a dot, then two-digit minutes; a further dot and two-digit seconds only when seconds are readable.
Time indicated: 1.30
